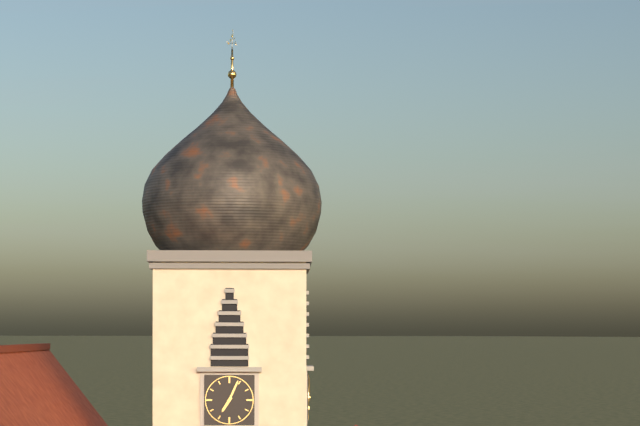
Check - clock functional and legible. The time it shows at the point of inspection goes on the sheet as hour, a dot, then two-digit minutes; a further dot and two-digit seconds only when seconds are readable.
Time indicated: 7.04
